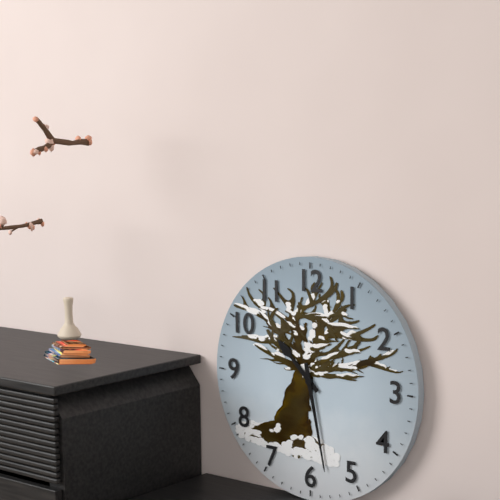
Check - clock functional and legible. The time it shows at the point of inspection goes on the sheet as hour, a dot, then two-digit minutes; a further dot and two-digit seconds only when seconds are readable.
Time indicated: 10.28
